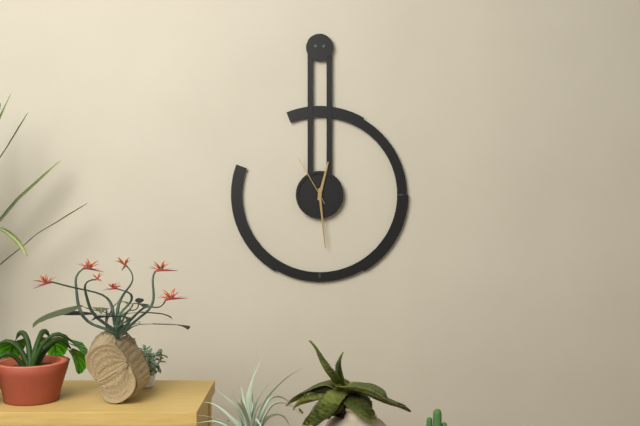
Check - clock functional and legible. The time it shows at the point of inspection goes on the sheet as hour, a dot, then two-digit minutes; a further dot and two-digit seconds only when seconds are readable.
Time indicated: 12.29.55
